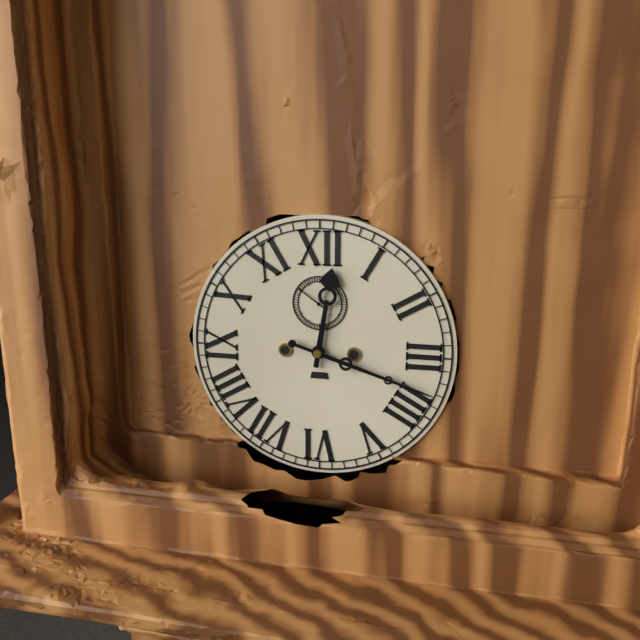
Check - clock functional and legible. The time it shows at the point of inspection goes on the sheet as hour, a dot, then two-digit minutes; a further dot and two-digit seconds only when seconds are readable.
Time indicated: 12.18
